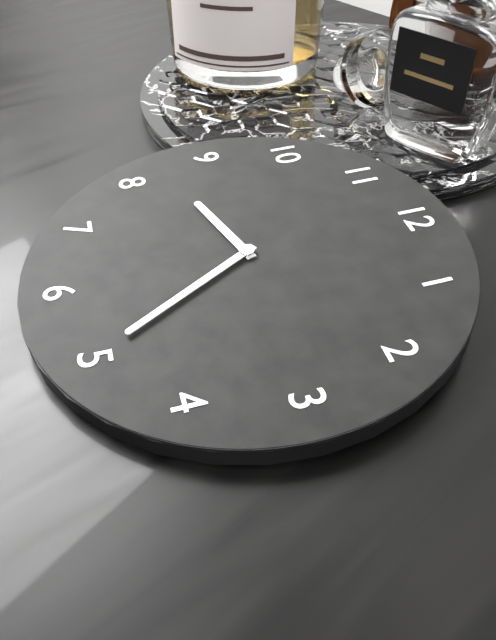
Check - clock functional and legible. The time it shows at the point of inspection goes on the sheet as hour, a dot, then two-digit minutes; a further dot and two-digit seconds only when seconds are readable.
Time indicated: 8.25
